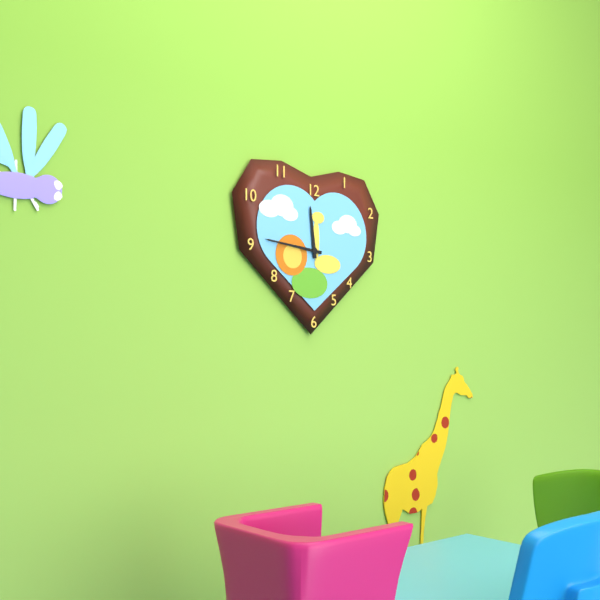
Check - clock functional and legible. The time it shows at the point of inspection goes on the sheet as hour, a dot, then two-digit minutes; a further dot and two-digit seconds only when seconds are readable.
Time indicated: 11.46
